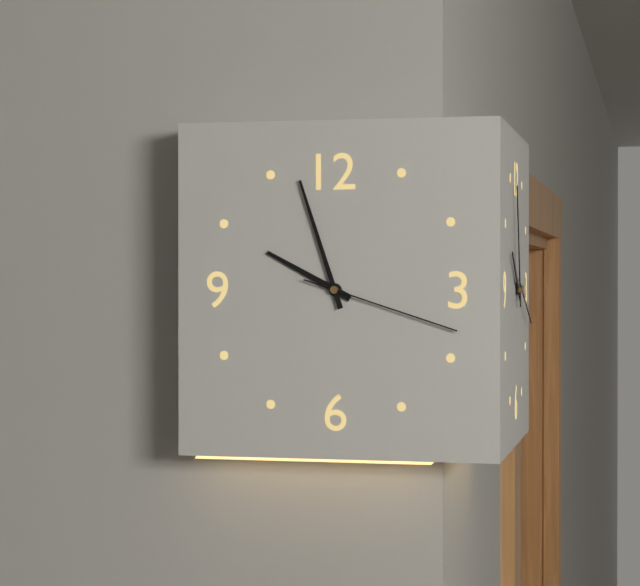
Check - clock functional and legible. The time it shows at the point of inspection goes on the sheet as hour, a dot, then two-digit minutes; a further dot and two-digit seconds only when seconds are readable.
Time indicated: 9.57.18
